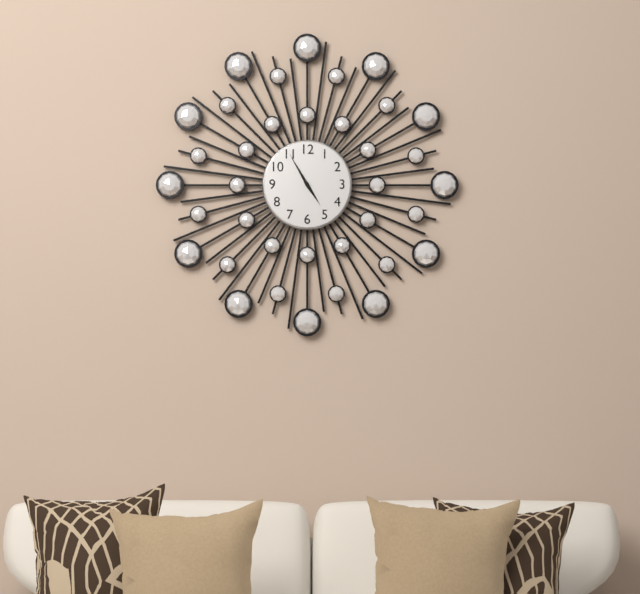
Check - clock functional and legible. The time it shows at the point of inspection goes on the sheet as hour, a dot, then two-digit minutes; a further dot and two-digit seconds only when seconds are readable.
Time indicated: 4.55
